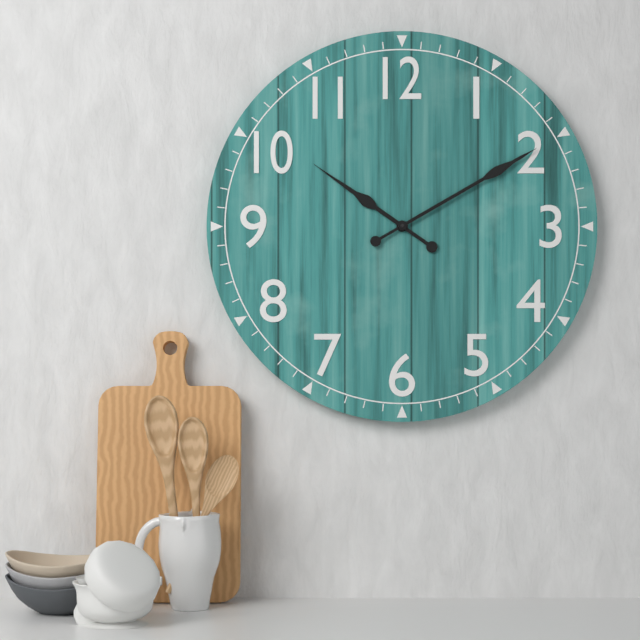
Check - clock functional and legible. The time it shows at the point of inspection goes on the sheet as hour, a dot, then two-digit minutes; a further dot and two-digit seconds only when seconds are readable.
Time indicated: 10.10
